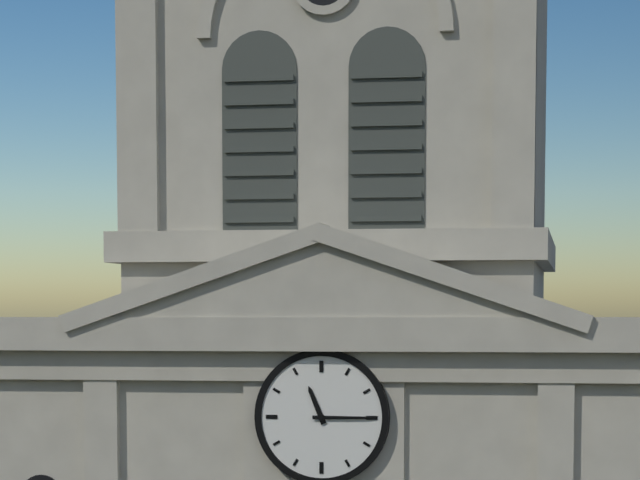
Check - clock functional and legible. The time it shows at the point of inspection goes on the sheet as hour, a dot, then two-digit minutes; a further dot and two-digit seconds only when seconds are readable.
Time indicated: 11.15
